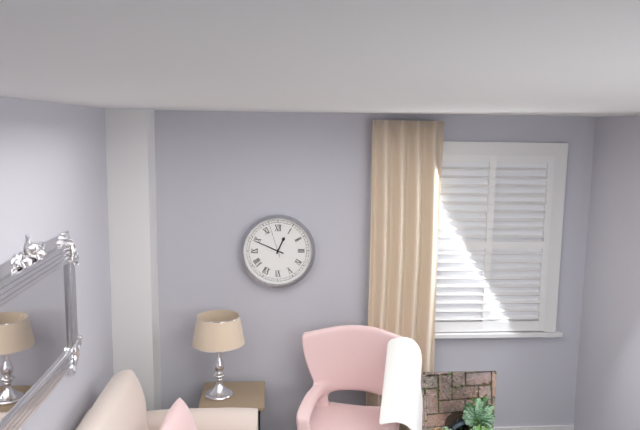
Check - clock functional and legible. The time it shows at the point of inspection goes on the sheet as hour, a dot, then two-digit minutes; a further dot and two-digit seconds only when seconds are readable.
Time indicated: 12.49
